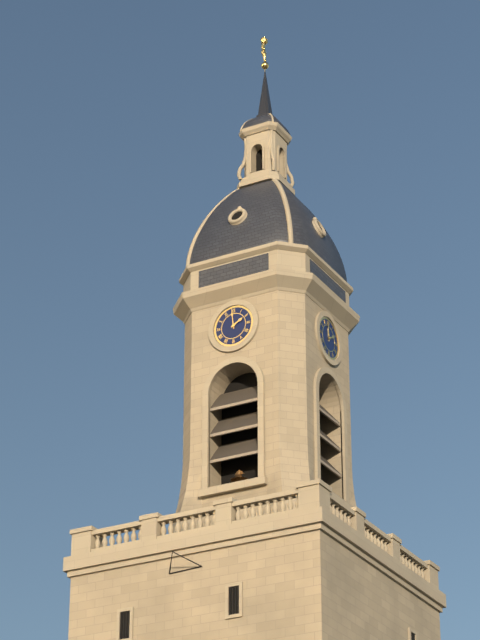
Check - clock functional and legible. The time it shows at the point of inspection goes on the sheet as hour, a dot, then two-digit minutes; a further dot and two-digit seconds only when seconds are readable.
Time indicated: 1.59
